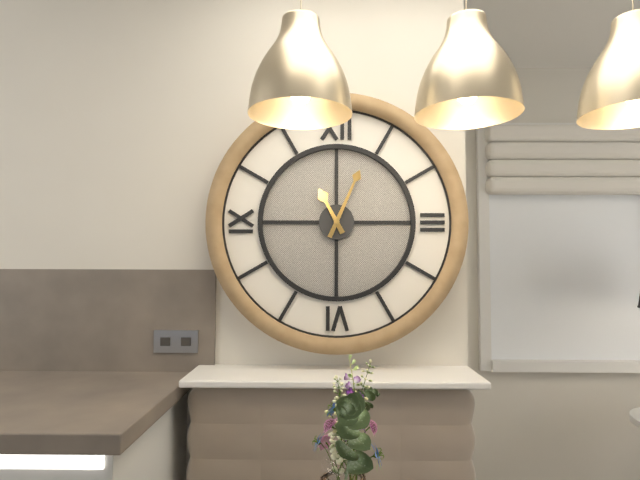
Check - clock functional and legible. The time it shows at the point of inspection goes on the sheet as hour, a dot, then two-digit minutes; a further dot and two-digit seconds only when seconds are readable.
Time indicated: 11.04
